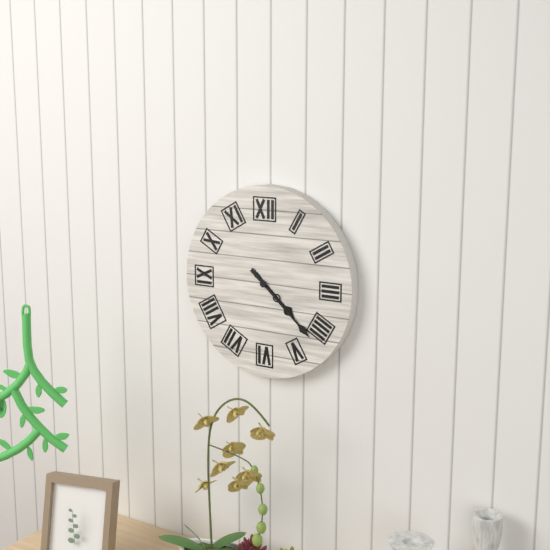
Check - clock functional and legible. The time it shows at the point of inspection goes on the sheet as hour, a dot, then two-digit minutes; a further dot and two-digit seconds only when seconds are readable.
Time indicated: 4.22
